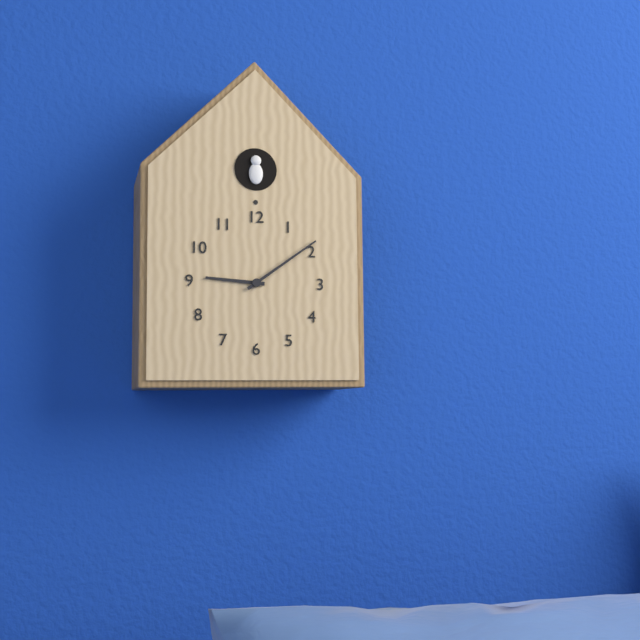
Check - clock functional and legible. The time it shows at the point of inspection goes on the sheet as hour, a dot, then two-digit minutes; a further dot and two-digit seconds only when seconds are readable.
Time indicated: 9.09
